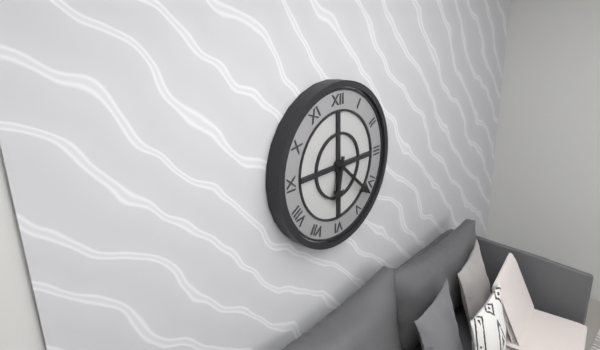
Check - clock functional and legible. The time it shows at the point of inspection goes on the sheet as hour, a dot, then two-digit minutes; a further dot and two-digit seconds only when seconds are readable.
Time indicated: 6.22
